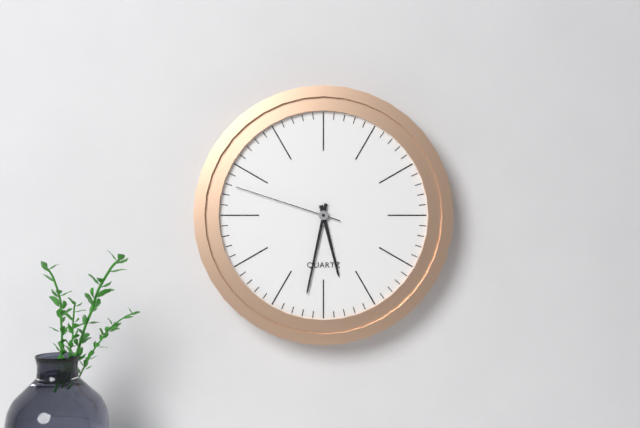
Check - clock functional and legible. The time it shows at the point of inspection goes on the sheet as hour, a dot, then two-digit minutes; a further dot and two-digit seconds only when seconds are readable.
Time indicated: 5.32.48
